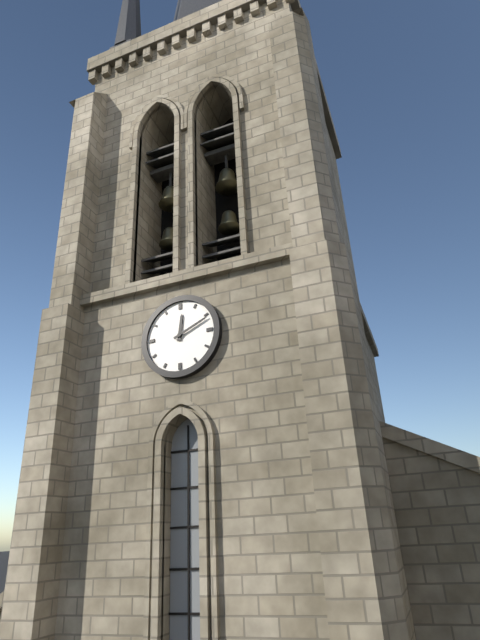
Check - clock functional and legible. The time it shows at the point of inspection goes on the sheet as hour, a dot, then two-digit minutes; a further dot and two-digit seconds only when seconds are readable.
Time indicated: 12.11
